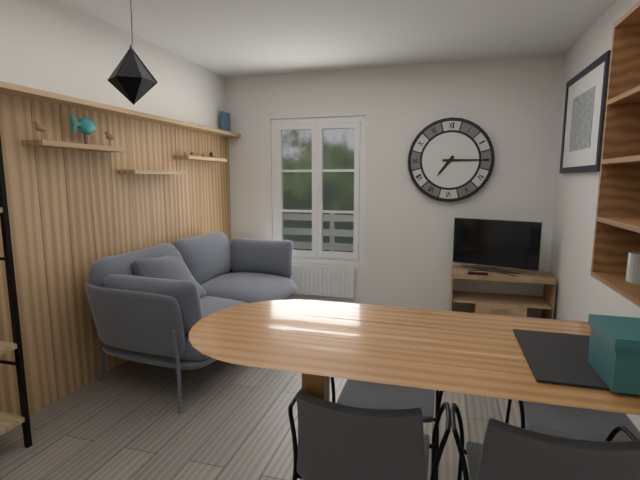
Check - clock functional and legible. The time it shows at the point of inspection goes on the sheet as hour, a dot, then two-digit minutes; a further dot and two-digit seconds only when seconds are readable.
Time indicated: 7.15
